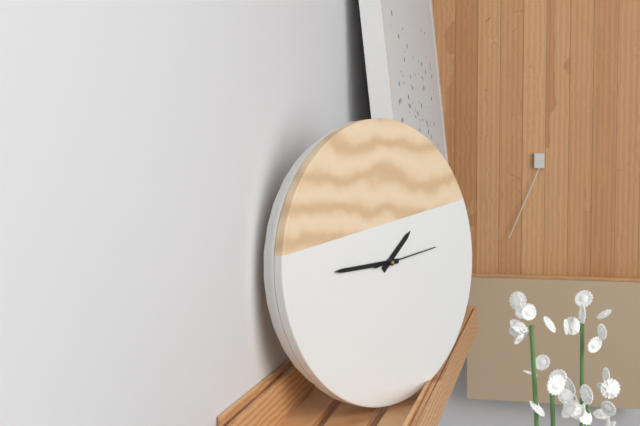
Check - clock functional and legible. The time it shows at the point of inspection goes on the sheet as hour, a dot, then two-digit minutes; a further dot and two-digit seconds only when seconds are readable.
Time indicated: 1.45.14
